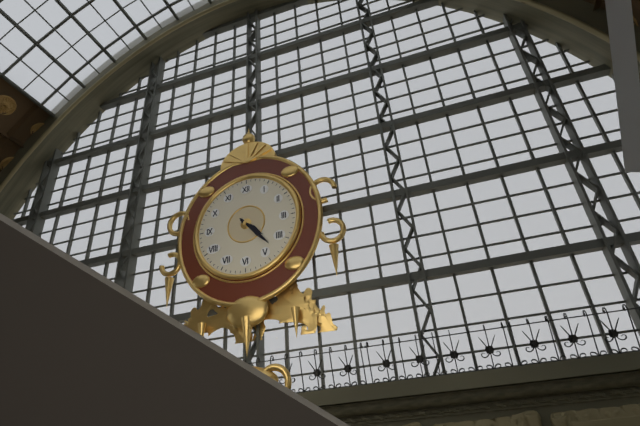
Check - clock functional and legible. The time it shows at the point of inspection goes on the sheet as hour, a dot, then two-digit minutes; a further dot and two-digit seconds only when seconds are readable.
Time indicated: 4.23
